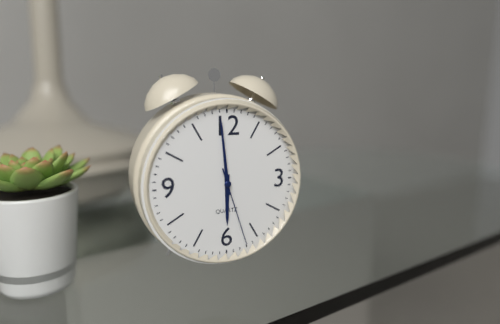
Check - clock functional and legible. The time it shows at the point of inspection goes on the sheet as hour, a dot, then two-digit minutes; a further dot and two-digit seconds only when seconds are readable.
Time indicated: 5.59.27
